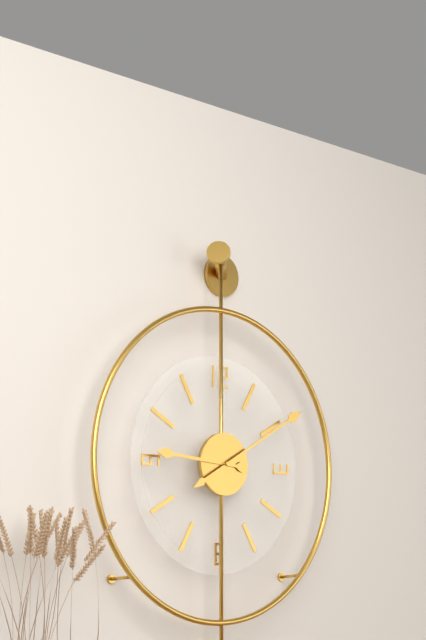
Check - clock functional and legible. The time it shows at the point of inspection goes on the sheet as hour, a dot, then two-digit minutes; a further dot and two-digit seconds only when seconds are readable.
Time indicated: 9.10
